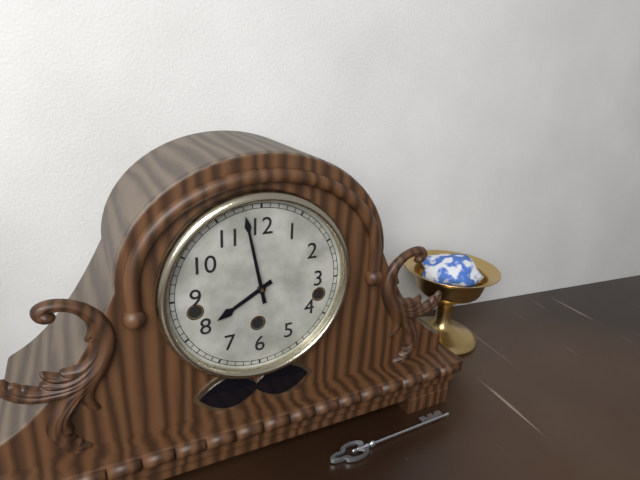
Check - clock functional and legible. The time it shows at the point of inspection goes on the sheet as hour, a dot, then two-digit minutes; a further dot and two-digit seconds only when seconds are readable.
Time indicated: 7.58
